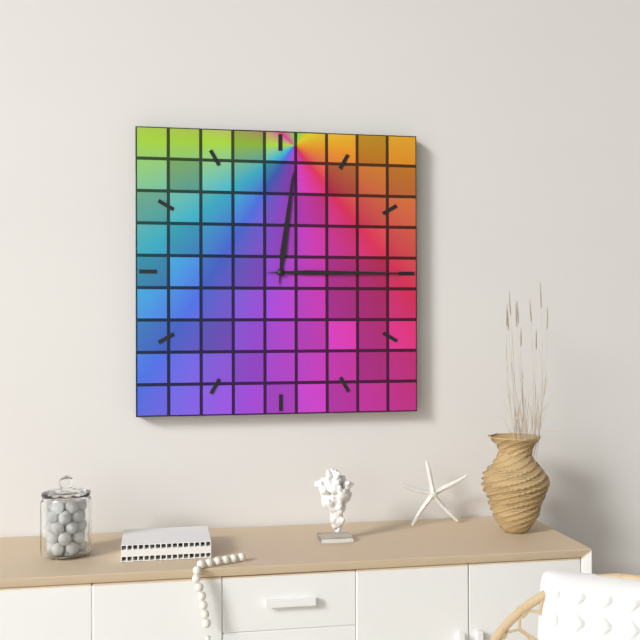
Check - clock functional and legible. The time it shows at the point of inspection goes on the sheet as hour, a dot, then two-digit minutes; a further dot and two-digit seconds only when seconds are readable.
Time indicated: 12.15
